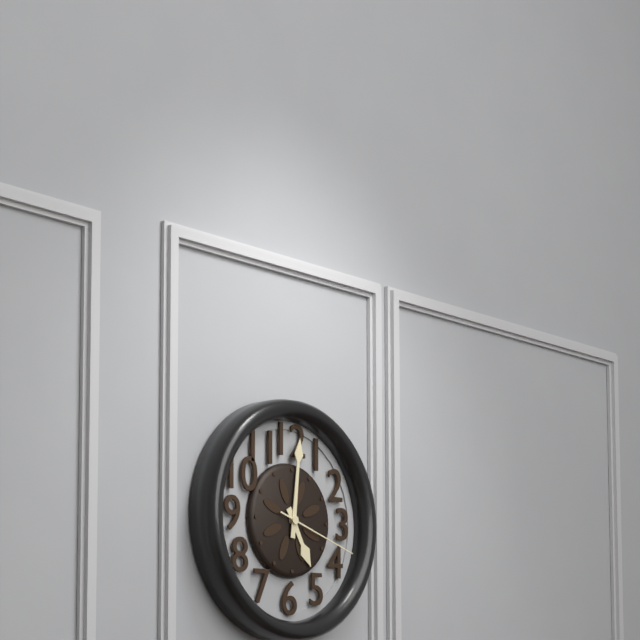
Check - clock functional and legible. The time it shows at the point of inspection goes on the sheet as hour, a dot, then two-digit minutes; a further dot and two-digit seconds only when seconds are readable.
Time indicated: 5.01.18
